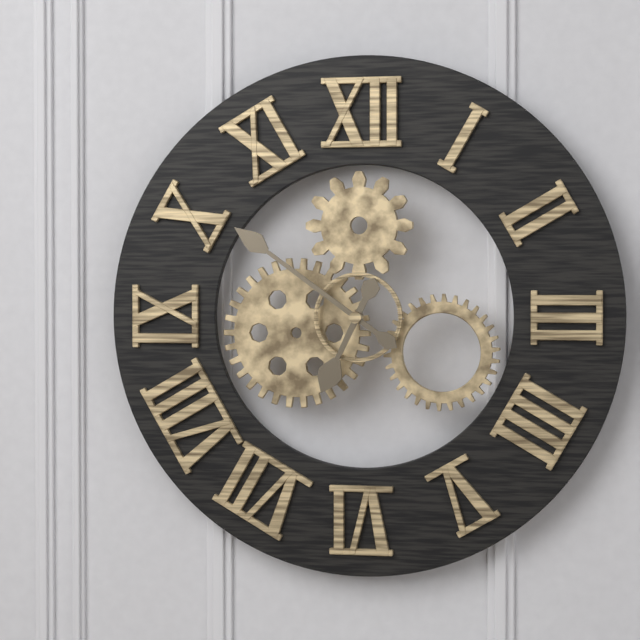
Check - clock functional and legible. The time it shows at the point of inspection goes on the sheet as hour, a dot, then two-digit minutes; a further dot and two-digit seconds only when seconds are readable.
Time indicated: 6.51
